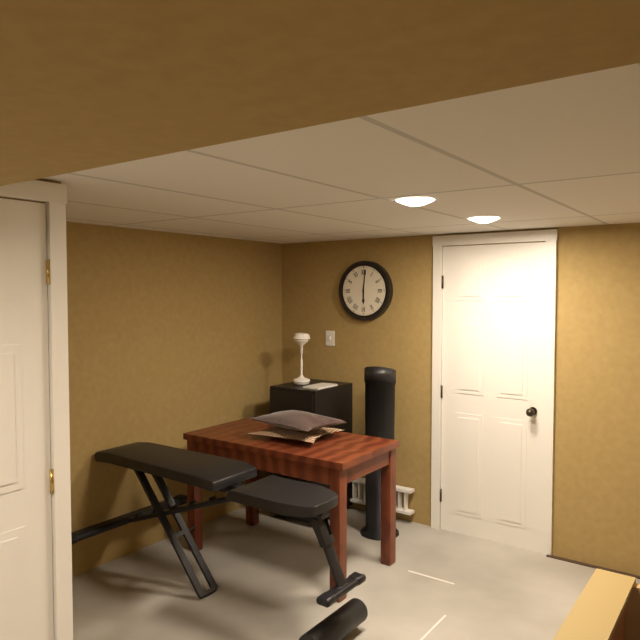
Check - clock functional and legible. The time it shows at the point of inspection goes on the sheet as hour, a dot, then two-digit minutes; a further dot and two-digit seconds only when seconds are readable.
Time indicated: 6.01
